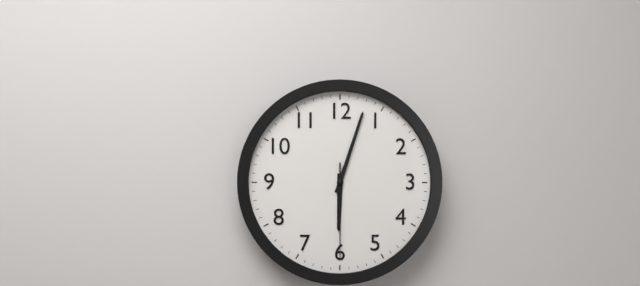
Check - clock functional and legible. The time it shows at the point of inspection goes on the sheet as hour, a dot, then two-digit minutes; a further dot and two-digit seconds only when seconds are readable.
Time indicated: 6.03.30
